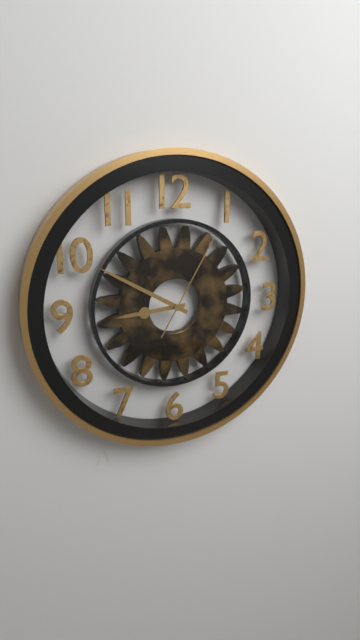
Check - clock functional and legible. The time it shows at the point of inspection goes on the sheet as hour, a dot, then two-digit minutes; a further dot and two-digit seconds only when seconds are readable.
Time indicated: 8.50.05
